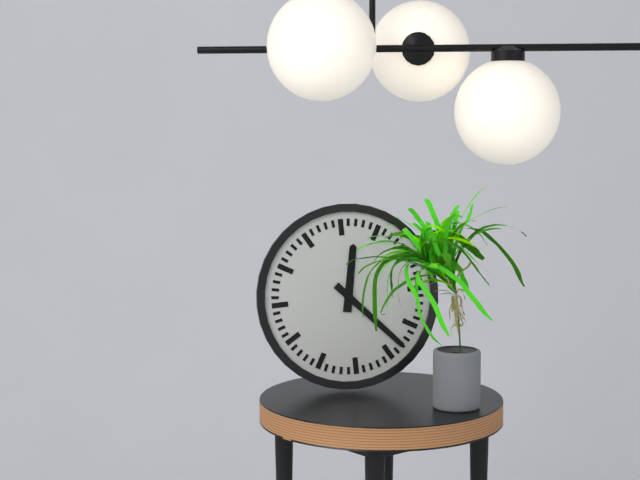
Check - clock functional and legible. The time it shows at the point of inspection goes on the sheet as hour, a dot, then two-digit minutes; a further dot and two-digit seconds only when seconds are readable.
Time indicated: 12.23
